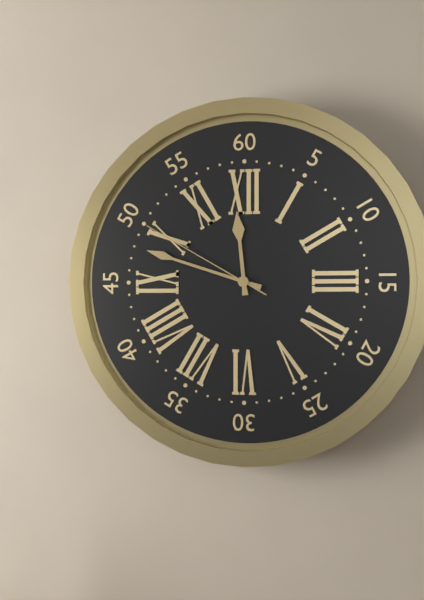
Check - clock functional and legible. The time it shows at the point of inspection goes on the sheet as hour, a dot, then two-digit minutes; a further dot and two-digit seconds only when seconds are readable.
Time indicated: 11.48.50
